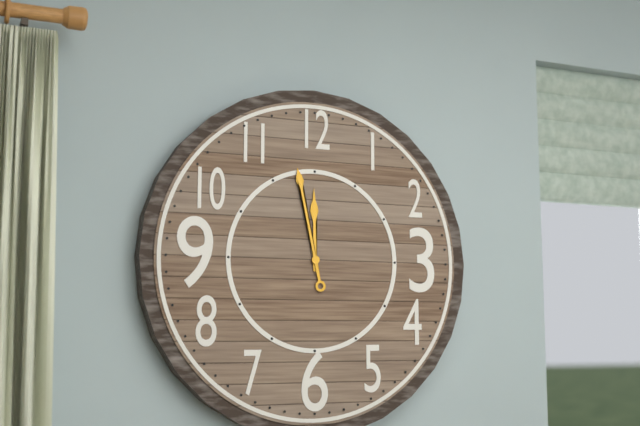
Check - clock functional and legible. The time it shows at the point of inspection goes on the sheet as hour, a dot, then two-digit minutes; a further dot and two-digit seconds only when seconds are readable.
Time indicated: 11.58
